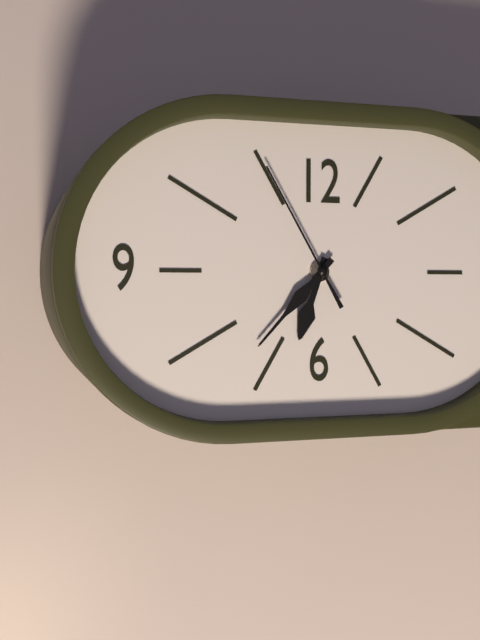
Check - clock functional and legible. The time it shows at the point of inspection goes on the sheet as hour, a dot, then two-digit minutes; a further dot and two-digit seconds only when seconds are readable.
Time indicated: 6.37.55
